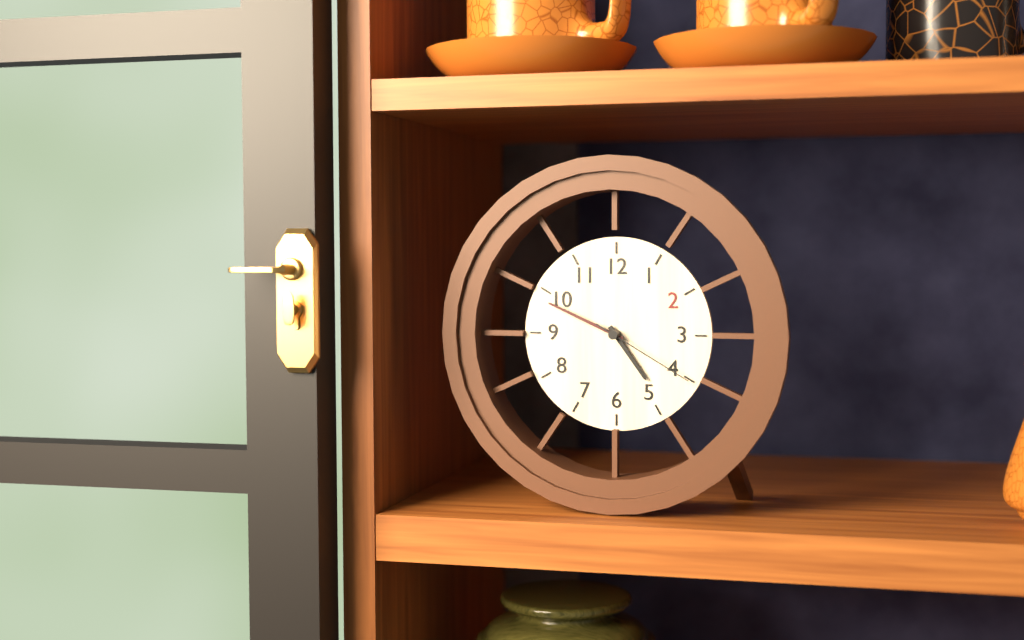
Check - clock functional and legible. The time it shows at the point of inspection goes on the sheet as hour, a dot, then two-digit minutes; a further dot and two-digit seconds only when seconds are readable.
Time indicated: 4.49.20
